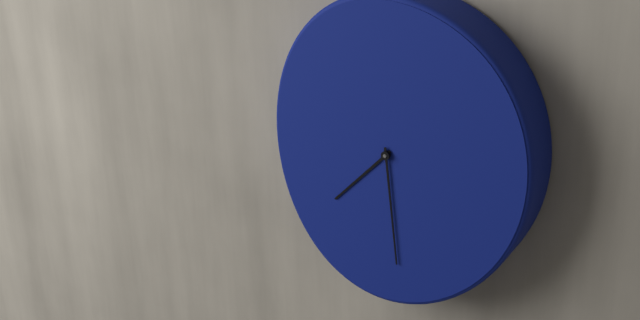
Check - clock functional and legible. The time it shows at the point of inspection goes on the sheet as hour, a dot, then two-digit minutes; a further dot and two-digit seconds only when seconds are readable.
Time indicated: 7.29
